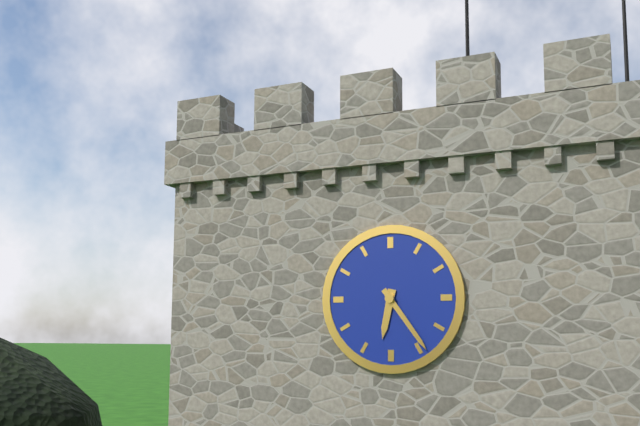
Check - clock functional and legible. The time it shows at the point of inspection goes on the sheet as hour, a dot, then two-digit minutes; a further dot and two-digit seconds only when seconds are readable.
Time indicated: 6.24
